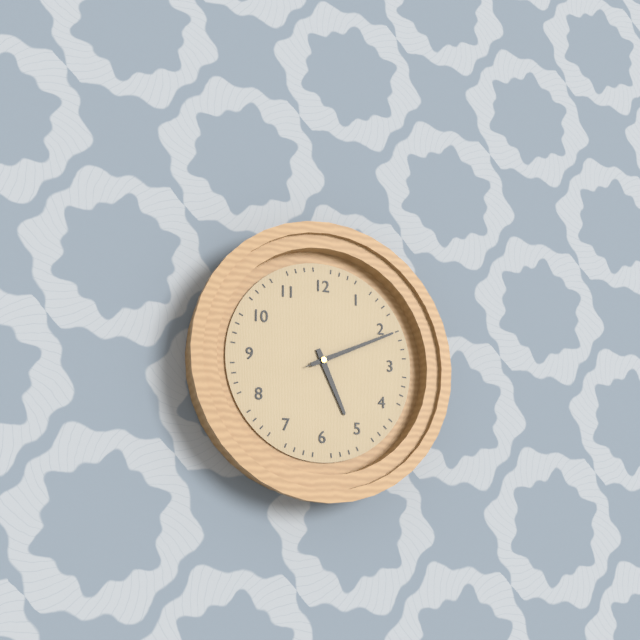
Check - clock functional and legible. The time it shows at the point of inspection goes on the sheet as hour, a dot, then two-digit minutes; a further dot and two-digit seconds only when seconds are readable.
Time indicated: 5.11.11
